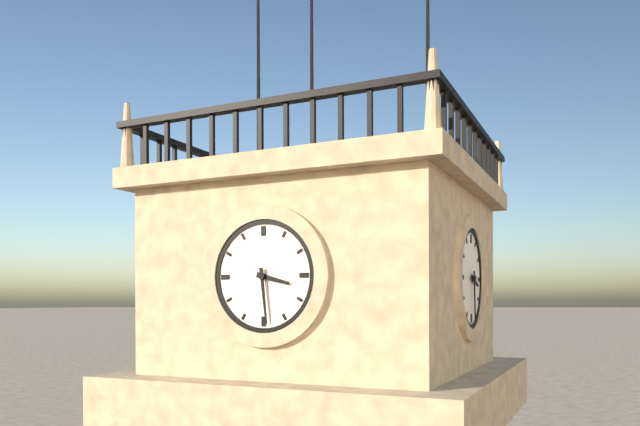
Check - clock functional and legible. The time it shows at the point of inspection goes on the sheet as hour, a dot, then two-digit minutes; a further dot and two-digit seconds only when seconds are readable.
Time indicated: 3.29
